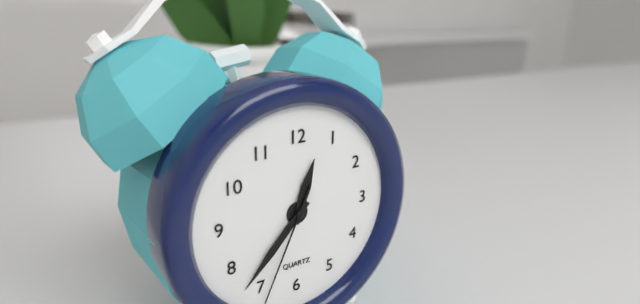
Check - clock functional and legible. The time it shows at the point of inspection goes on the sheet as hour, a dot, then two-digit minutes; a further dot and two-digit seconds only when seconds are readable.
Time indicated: 12.37.34
